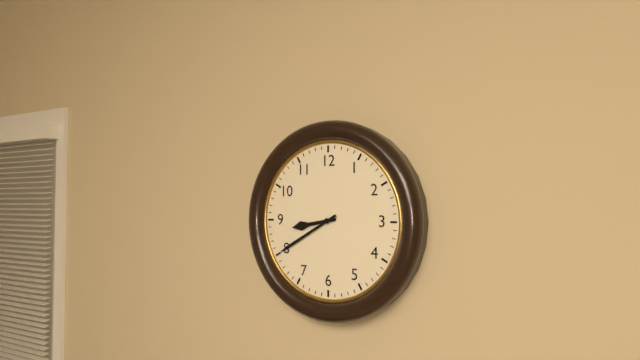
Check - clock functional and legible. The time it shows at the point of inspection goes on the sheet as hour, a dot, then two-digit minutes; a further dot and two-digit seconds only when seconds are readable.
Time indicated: 8.40
